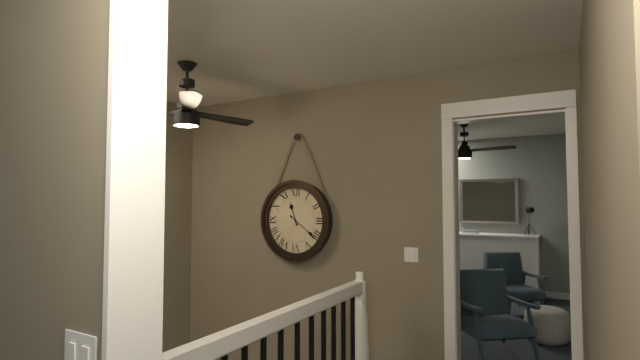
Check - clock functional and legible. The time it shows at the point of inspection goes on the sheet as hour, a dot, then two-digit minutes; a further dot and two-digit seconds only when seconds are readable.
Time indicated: 11.21
